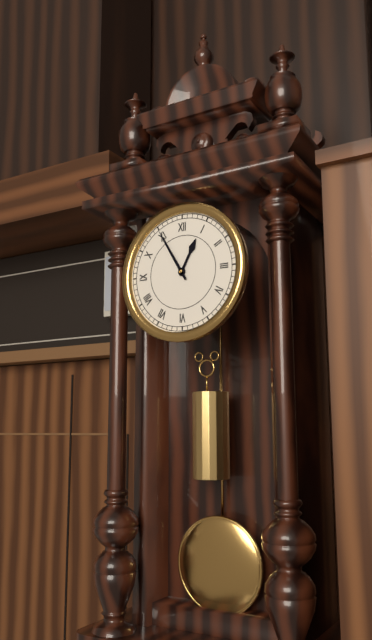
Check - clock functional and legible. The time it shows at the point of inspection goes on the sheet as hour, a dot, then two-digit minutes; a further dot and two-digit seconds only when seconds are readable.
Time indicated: 12.55
